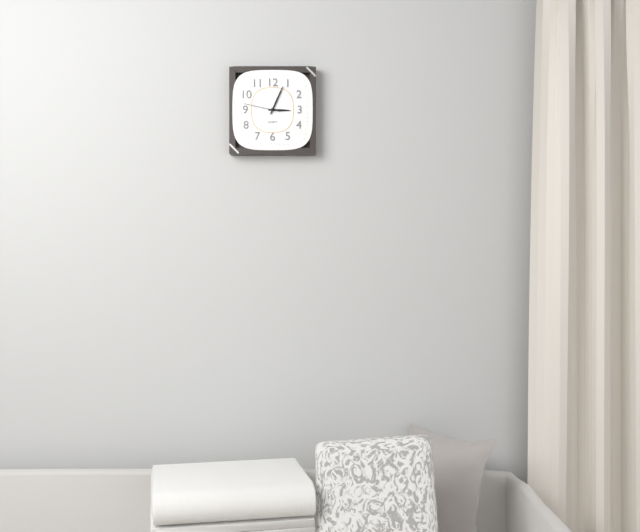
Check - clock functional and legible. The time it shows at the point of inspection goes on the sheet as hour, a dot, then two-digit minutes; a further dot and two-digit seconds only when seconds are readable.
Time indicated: 3.04
